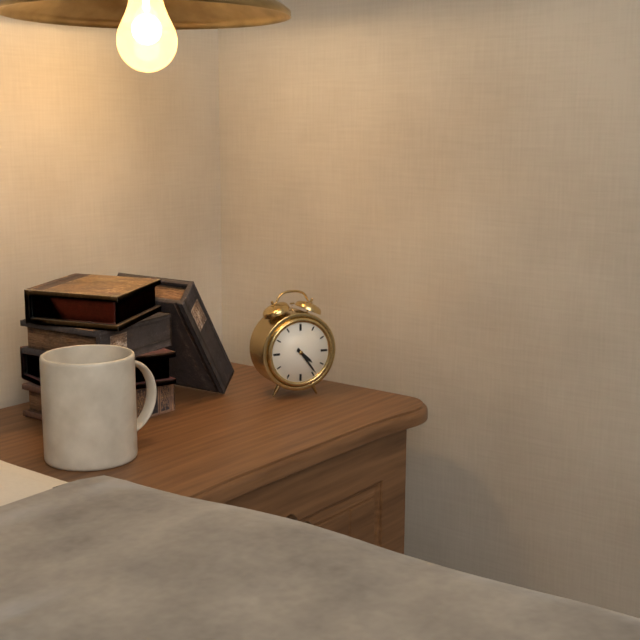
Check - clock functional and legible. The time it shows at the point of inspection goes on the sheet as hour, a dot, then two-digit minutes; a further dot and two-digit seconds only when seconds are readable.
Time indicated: 4.24
